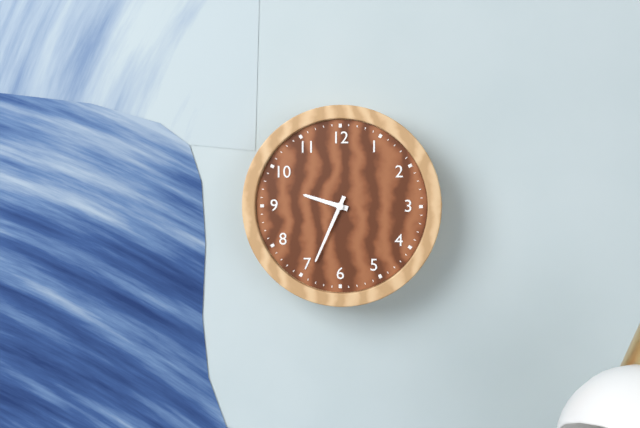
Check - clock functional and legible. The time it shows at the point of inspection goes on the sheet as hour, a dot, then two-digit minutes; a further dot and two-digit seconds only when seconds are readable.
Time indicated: 9.34
